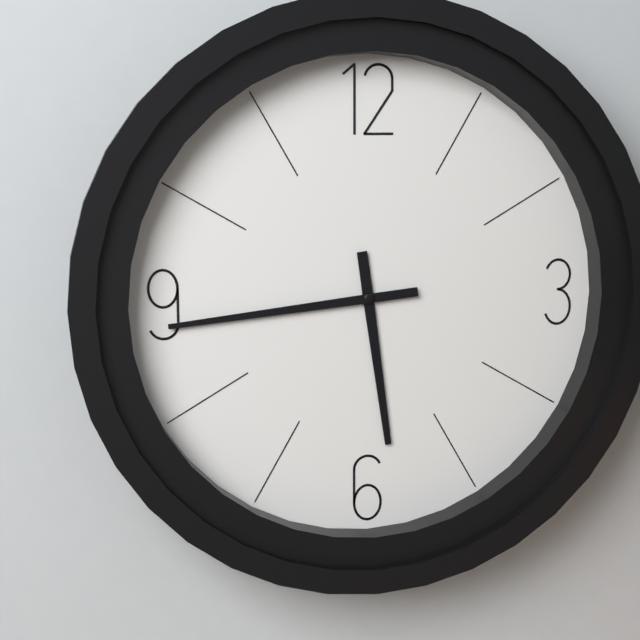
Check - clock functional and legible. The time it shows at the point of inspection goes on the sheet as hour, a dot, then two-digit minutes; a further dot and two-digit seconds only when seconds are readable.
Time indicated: 5.44
